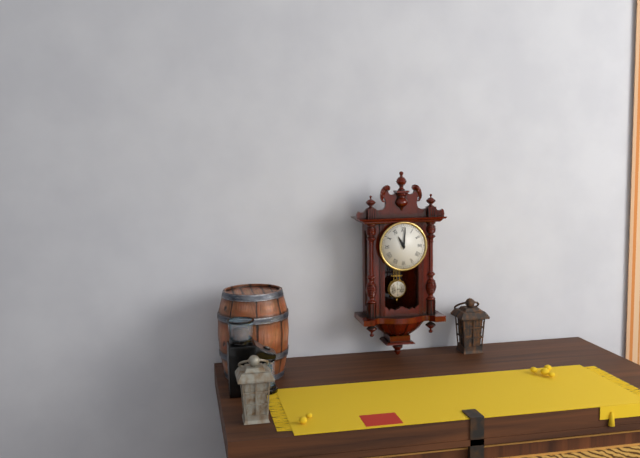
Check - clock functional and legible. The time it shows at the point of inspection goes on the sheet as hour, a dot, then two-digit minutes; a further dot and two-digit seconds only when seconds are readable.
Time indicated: 11.01
